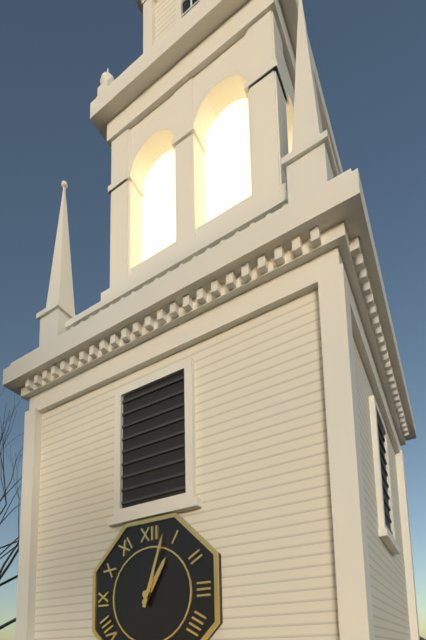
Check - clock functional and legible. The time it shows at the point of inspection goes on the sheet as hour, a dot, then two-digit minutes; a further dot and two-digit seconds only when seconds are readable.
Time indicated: 1.03
